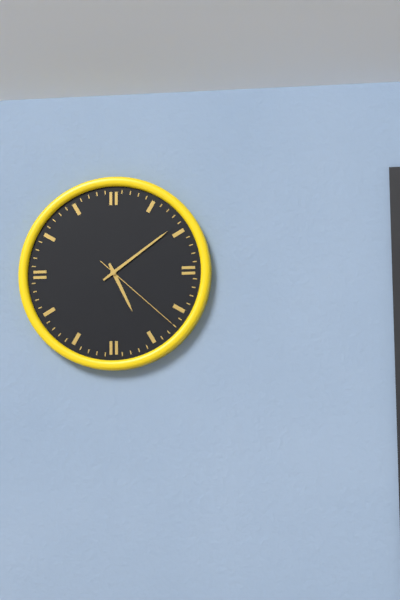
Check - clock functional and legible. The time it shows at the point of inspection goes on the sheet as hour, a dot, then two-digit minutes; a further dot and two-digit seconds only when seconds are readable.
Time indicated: 5.09.22
